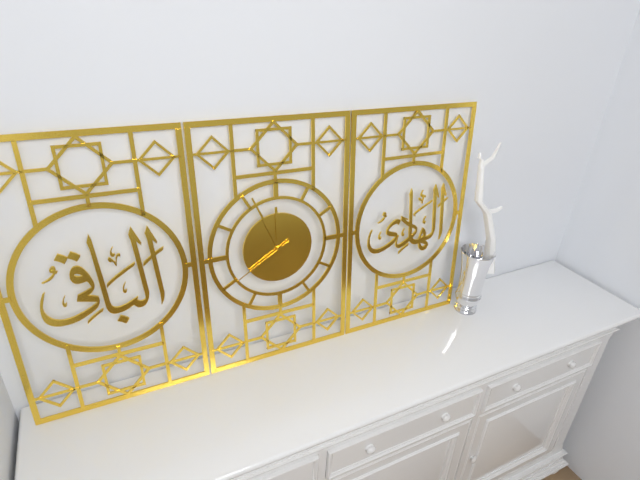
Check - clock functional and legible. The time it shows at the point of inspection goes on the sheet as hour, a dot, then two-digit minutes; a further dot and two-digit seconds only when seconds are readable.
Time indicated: 11.56.40
